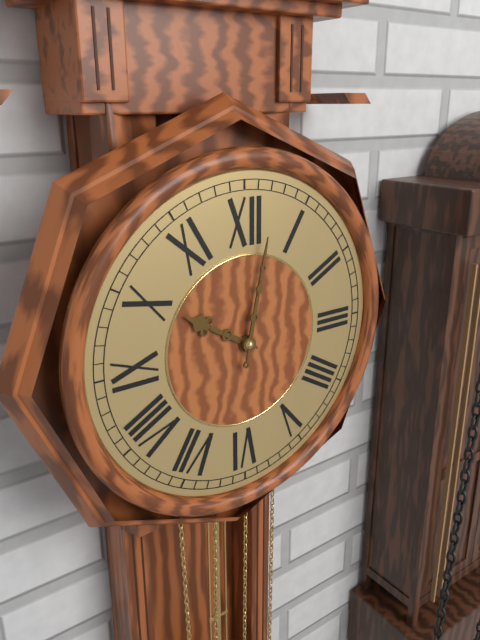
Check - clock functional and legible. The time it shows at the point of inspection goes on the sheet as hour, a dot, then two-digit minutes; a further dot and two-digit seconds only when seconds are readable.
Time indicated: 10.02
